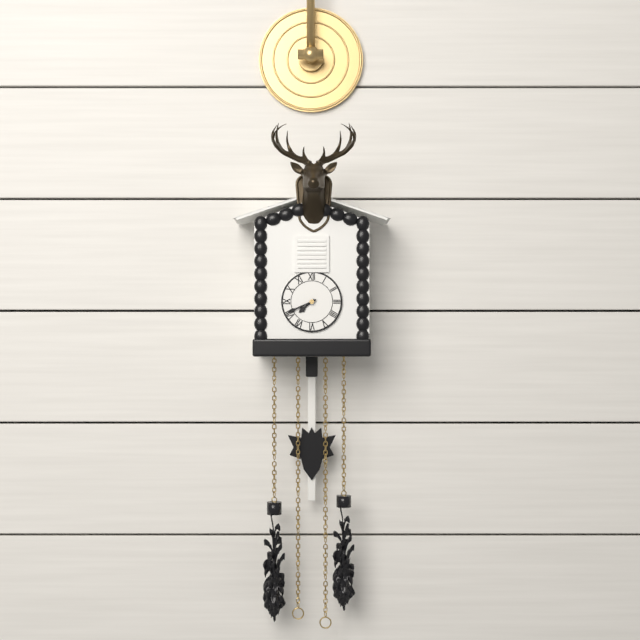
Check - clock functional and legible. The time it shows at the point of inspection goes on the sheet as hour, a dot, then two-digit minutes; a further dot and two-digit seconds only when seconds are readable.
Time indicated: 7.41
